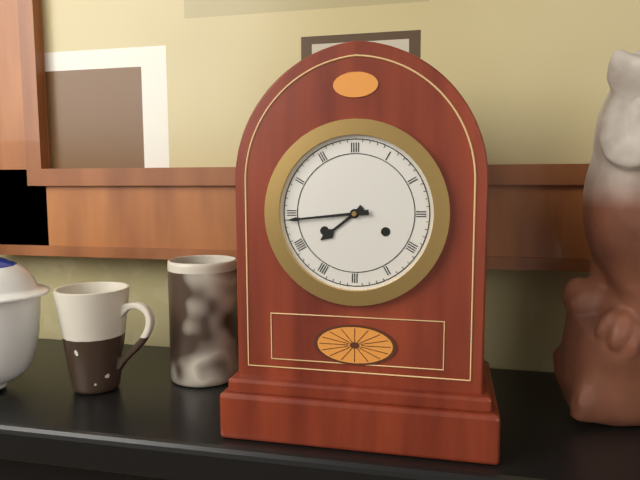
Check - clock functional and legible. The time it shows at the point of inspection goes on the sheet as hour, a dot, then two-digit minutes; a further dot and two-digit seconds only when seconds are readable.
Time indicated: 7.44
